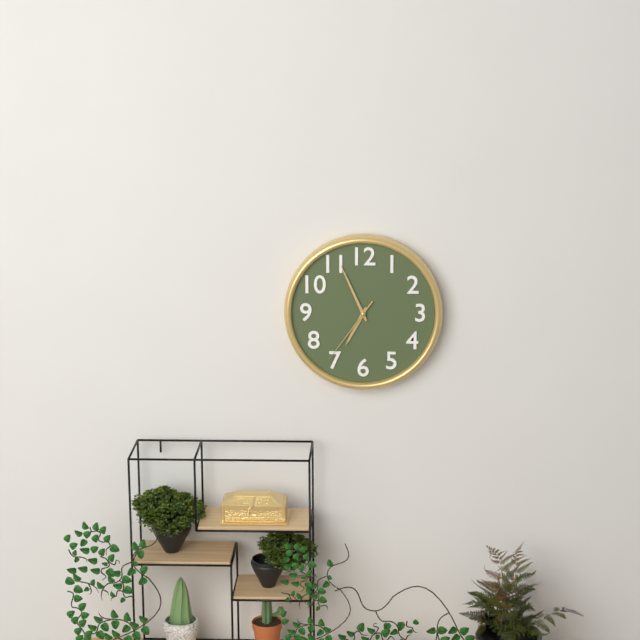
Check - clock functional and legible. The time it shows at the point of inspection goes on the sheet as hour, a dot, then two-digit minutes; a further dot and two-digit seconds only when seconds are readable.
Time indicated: 6.56.36
